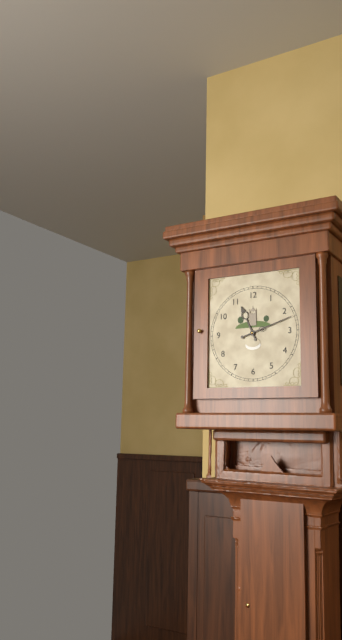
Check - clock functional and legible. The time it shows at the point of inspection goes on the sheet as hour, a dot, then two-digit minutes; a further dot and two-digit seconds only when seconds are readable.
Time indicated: 11.12
